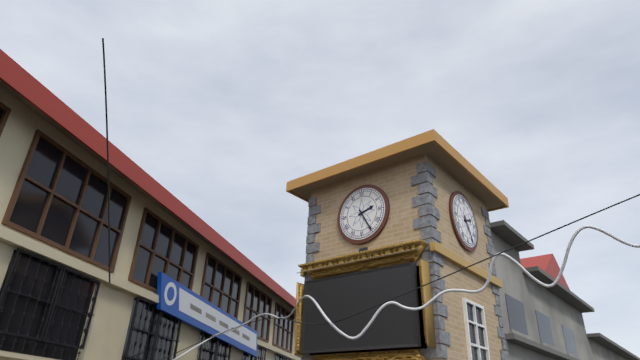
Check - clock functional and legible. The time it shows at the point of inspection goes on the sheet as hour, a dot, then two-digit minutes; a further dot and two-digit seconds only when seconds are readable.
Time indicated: 2.25
